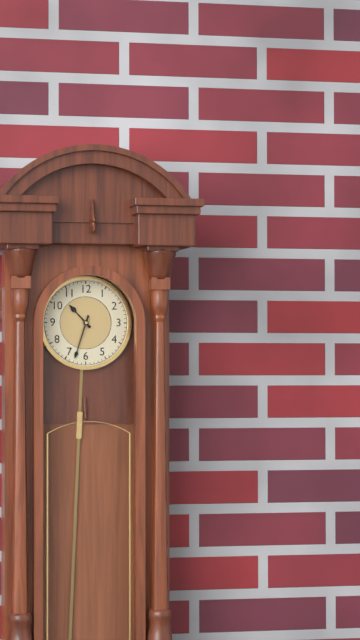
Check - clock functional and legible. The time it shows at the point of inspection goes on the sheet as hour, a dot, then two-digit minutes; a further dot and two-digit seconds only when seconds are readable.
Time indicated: 10.33
